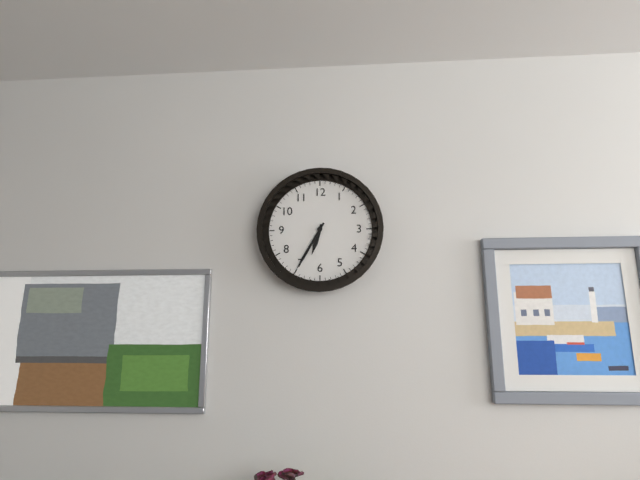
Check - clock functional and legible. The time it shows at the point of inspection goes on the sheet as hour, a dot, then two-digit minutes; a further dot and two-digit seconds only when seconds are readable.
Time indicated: 6.35
